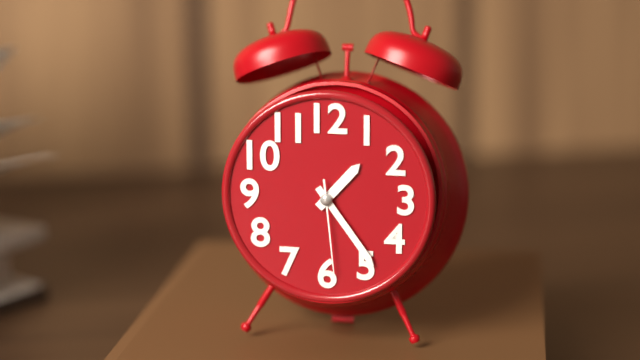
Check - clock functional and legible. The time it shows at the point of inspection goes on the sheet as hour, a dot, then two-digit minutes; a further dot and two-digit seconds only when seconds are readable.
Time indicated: 1.24.29
